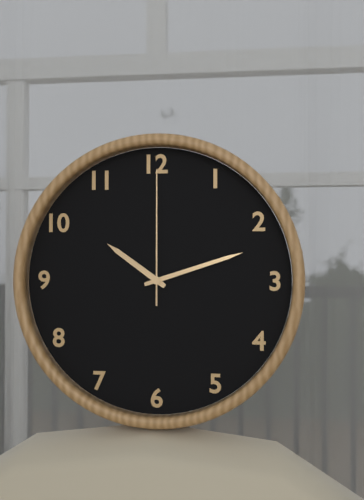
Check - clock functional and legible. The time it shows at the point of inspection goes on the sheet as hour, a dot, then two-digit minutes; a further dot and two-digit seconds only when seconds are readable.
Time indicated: 10.12.00
